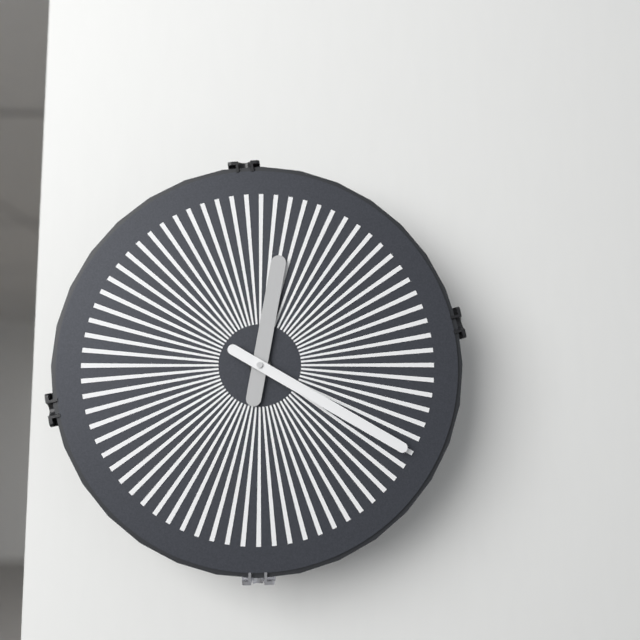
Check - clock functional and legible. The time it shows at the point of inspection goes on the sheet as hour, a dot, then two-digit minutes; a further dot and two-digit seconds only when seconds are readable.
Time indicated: 12.20
